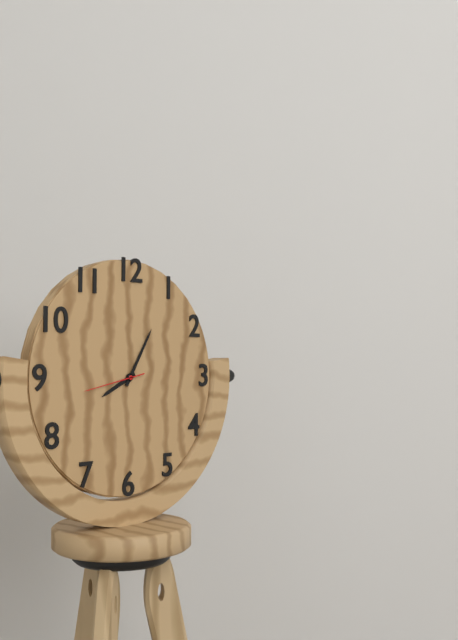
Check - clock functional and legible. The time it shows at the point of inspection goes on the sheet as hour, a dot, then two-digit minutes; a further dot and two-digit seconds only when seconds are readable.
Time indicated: 8.05.43
